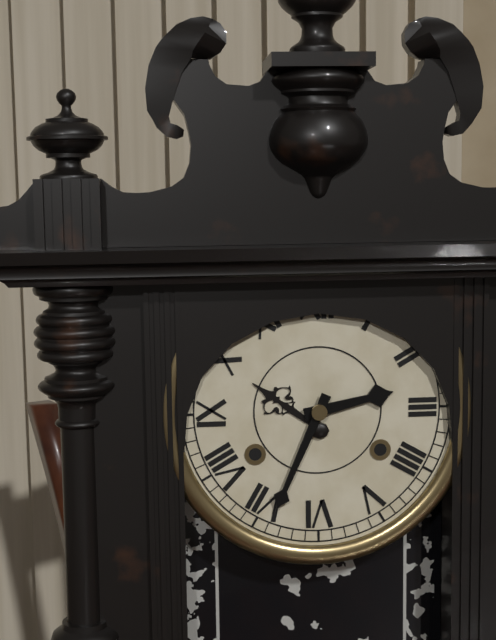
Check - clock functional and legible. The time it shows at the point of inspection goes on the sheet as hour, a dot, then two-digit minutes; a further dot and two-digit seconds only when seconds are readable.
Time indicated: 2.34
